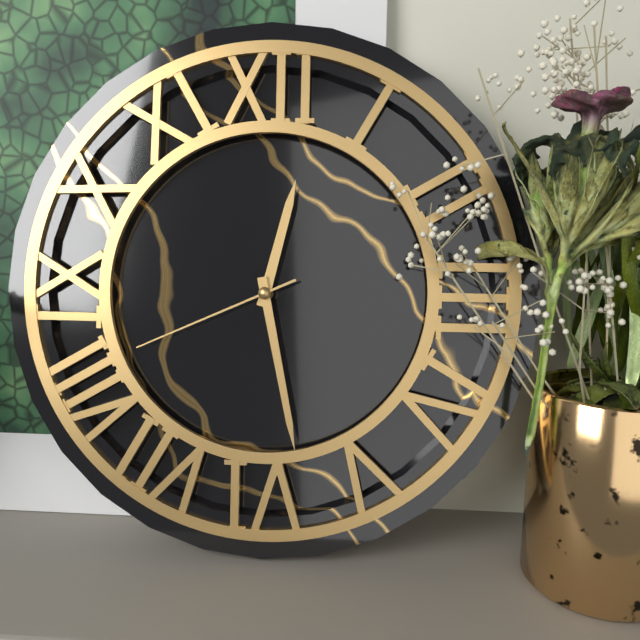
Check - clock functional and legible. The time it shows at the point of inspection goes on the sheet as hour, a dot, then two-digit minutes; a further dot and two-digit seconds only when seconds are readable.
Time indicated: 12.28.41
